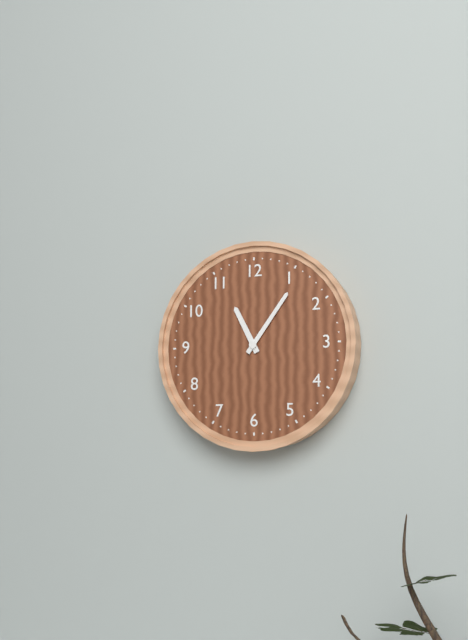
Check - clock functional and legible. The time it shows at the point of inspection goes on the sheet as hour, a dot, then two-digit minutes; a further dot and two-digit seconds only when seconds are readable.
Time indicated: 11.06
